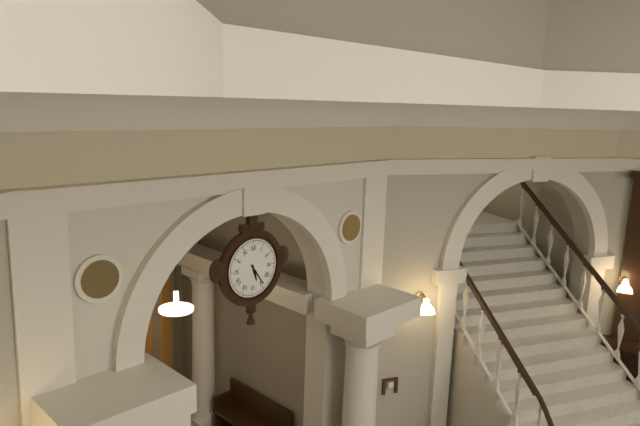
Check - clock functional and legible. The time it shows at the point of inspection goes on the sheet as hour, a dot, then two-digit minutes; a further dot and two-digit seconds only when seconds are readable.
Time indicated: 5.24
